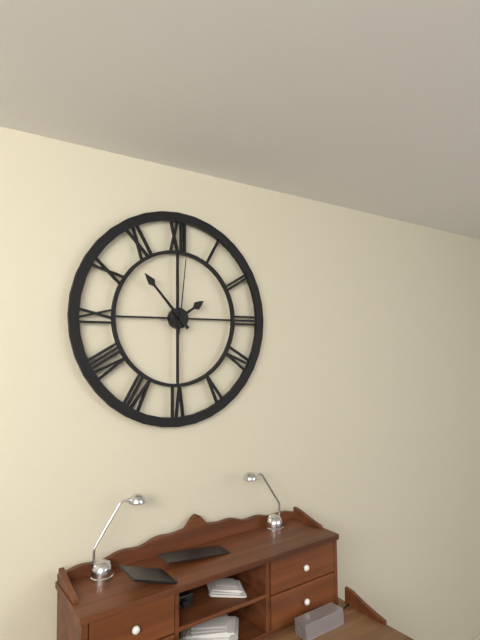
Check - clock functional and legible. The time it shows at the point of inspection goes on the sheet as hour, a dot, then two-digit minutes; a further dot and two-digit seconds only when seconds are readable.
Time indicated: 1.53.01
